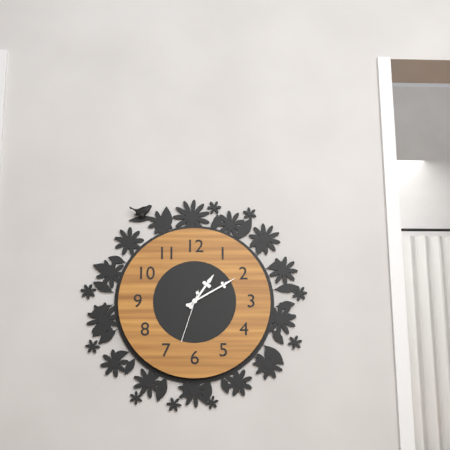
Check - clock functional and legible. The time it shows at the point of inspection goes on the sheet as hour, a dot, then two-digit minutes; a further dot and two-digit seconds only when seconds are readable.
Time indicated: 1.10.33
